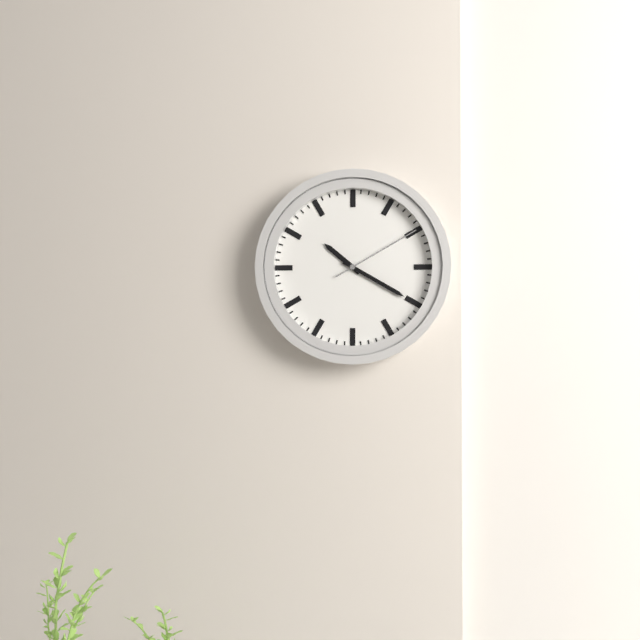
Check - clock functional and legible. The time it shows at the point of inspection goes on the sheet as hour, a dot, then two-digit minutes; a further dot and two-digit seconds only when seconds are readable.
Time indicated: 10.20.10
